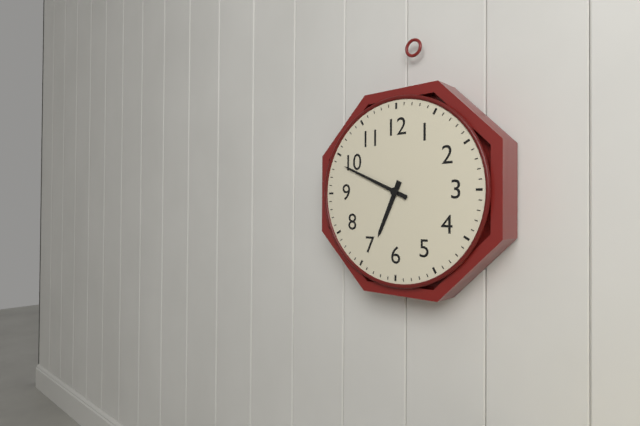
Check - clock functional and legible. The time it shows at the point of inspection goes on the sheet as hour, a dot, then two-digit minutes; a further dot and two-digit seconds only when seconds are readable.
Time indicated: 6.49
